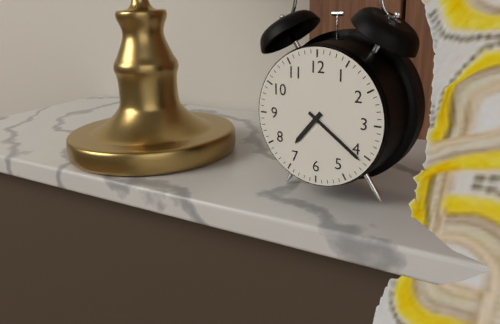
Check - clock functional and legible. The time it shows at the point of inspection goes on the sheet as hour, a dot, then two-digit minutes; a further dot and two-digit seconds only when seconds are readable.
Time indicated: 7.21
